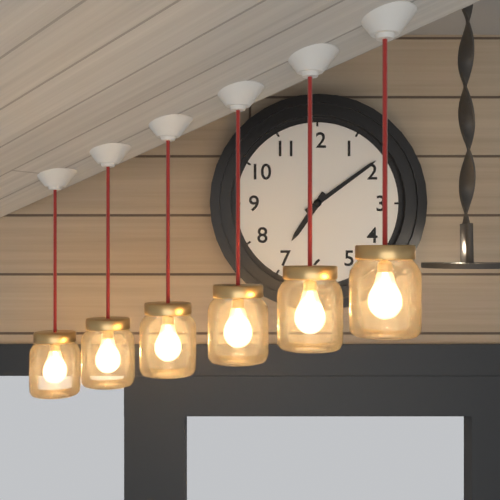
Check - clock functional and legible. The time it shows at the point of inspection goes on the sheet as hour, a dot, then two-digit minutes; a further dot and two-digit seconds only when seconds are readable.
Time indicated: 7.09
